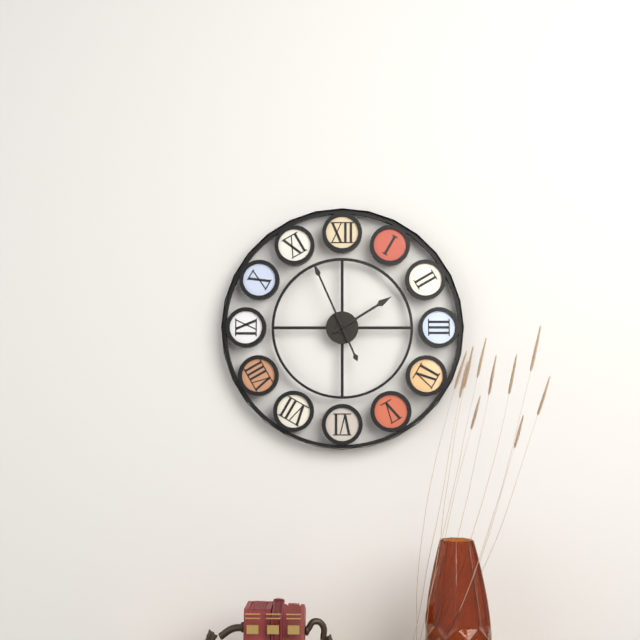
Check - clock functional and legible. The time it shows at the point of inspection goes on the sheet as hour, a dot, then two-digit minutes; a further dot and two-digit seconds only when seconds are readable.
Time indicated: 1.56
